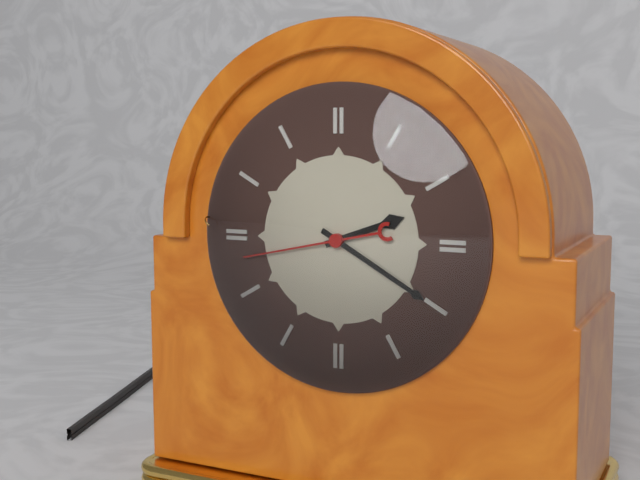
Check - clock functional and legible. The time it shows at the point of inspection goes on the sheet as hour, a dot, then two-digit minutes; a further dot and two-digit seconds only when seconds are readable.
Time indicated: 2.20.43
